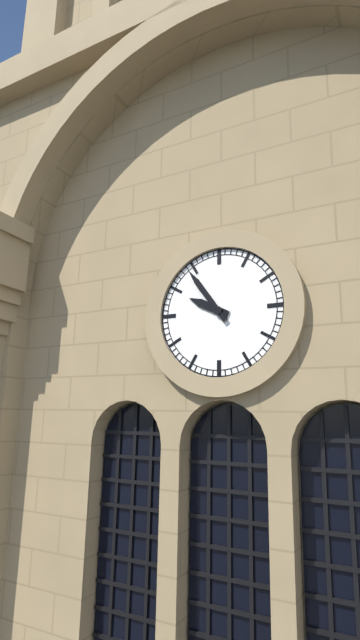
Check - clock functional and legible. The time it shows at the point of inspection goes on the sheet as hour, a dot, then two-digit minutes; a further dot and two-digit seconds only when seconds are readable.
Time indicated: 9.54
